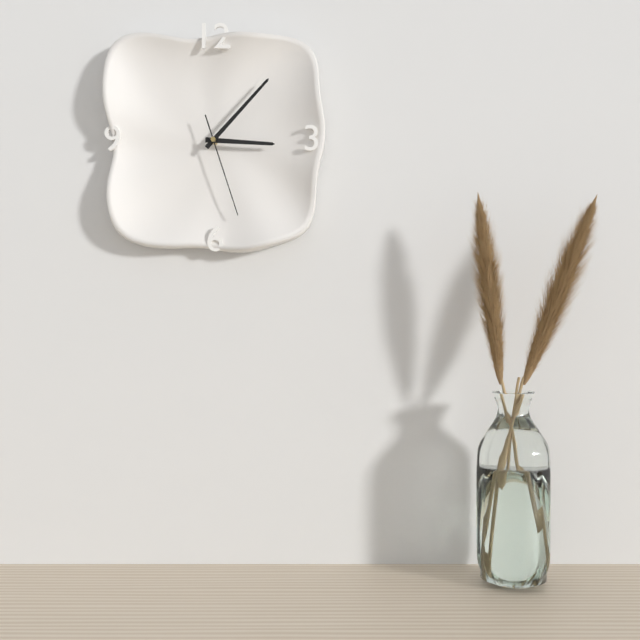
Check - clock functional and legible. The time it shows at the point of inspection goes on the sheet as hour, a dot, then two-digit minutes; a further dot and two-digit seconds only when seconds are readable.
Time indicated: 3.07.27
